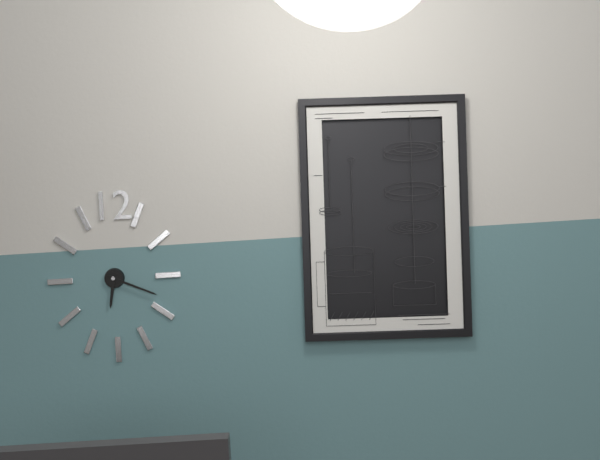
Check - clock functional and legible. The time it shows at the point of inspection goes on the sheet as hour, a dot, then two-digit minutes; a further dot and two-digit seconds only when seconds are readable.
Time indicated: 6.19
